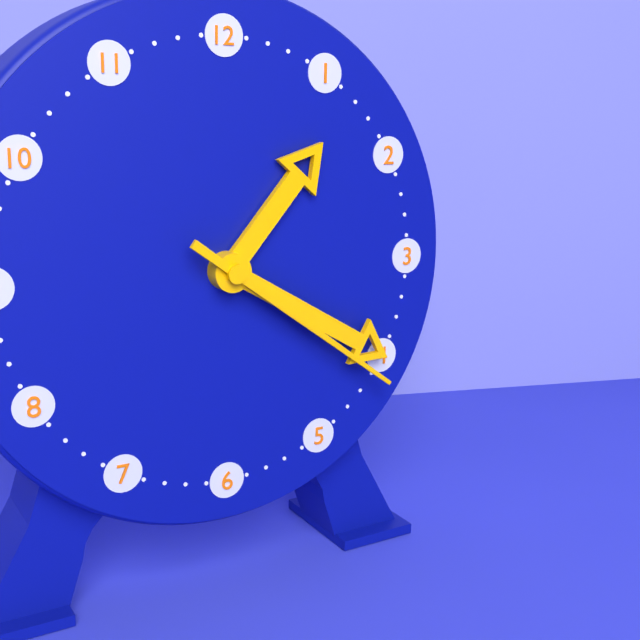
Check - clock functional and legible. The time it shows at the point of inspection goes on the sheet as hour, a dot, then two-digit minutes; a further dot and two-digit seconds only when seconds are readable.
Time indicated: 1.20.21
